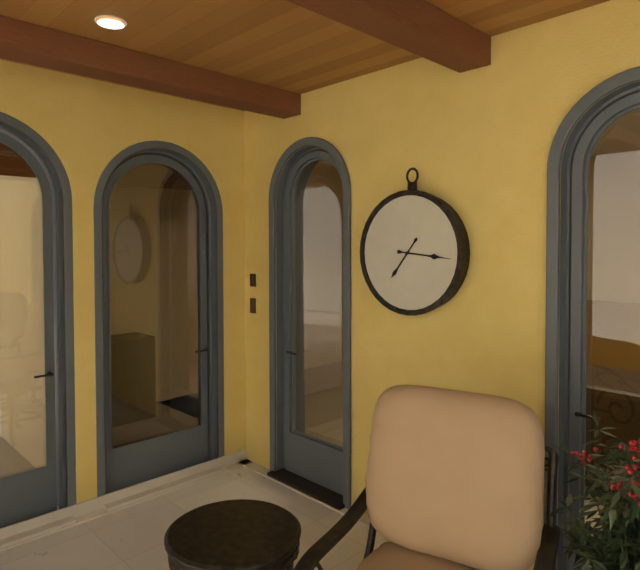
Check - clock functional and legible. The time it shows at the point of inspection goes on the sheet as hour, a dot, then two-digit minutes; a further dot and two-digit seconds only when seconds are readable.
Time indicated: 7.16
